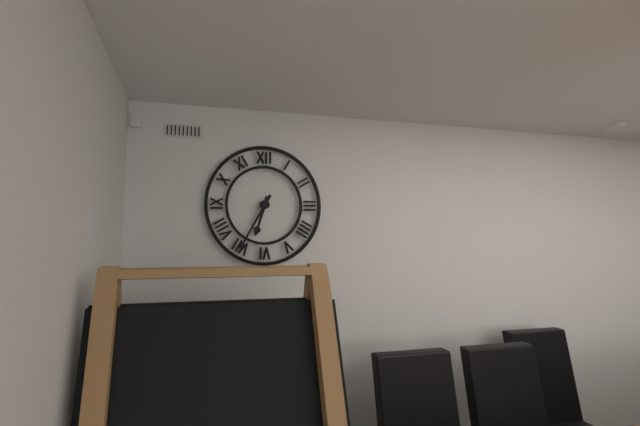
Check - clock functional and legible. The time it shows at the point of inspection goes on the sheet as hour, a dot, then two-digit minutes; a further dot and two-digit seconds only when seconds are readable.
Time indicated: 6.35
